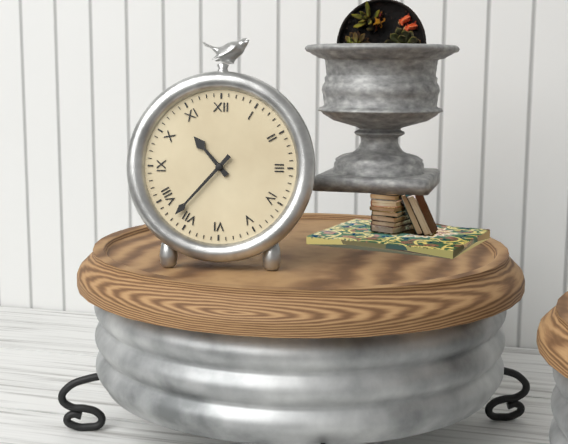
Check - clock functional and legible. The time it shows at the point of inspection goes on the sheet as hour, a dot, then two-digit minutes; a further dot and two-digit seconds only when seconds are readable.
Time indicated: 10.37
